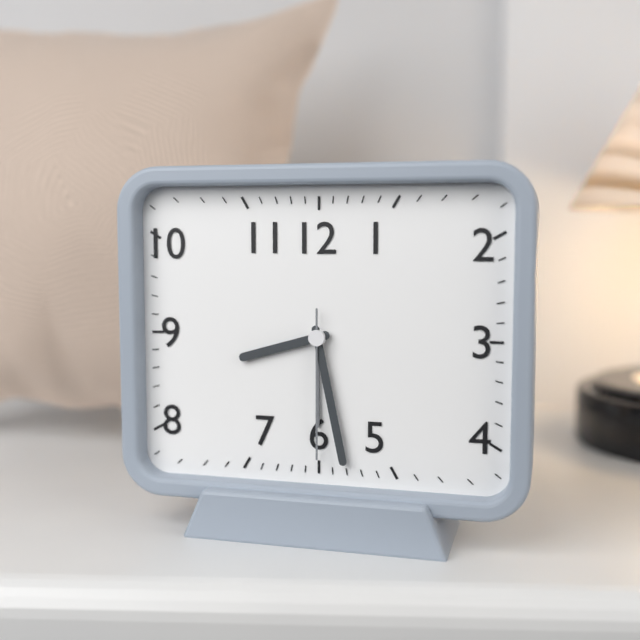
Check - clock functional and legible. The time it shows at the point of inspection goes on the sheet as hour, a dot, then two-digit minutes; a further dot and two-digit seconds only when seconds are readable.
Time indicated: 8.28.30
